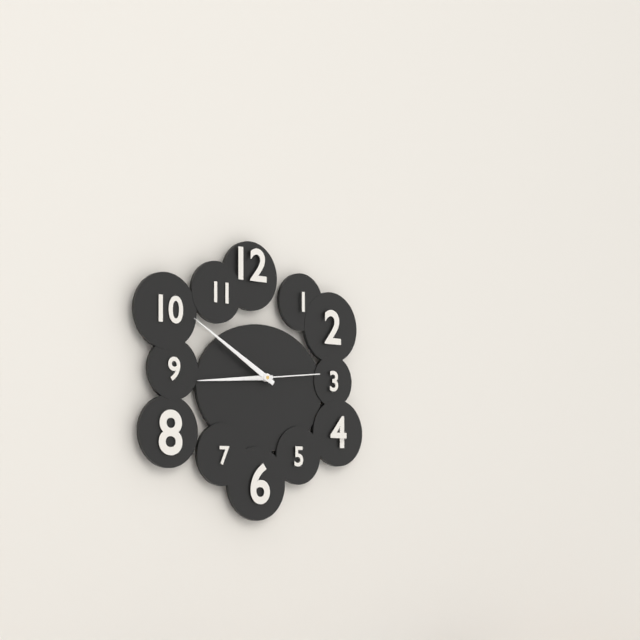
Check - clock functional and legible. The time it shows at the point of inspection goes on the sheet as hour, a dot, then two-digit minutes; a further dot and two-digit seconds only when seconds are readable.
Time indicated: 8.50.14
